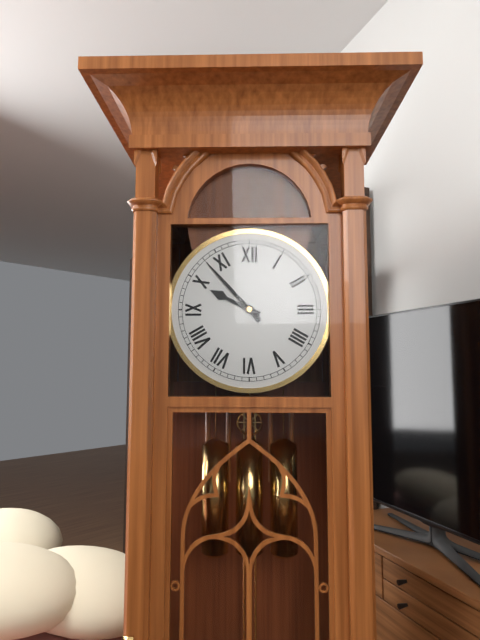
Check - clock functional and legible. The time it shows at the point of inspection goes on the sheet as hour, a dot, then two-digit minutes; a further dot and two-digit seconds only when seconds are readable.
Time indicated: 9.53
